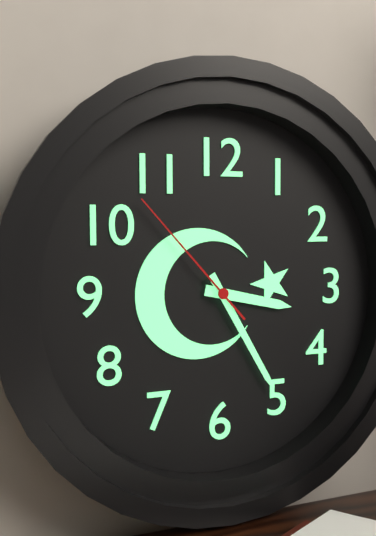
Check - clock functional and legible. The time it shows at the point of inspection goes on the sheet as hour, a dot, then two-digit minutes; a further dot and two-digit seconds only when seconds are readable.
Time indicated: 3.25.53
